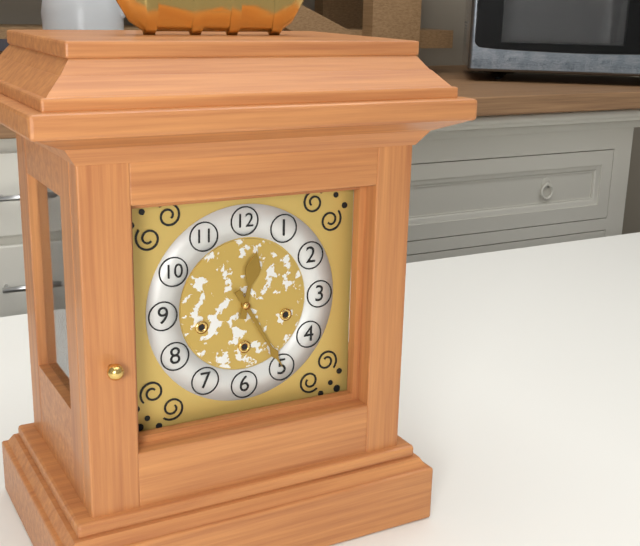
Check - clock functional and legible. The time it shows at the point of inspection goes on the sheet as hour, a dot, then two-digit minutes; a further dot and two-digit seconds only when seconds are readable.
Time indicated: 12.25
